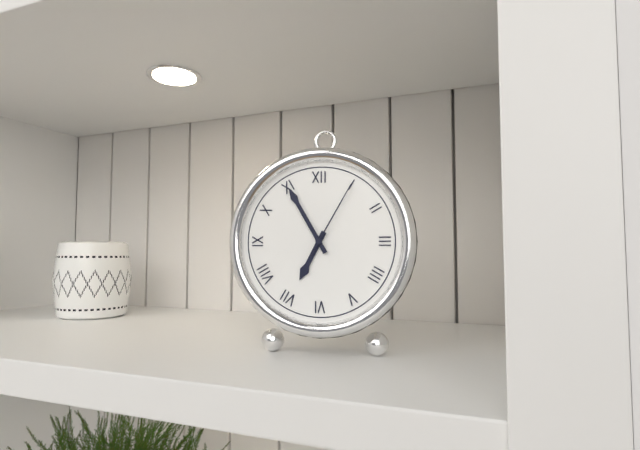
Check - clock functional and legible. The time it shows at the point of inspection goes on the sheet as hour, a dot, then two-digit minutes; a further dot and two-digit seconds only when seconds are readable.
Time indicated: 6.55.05
